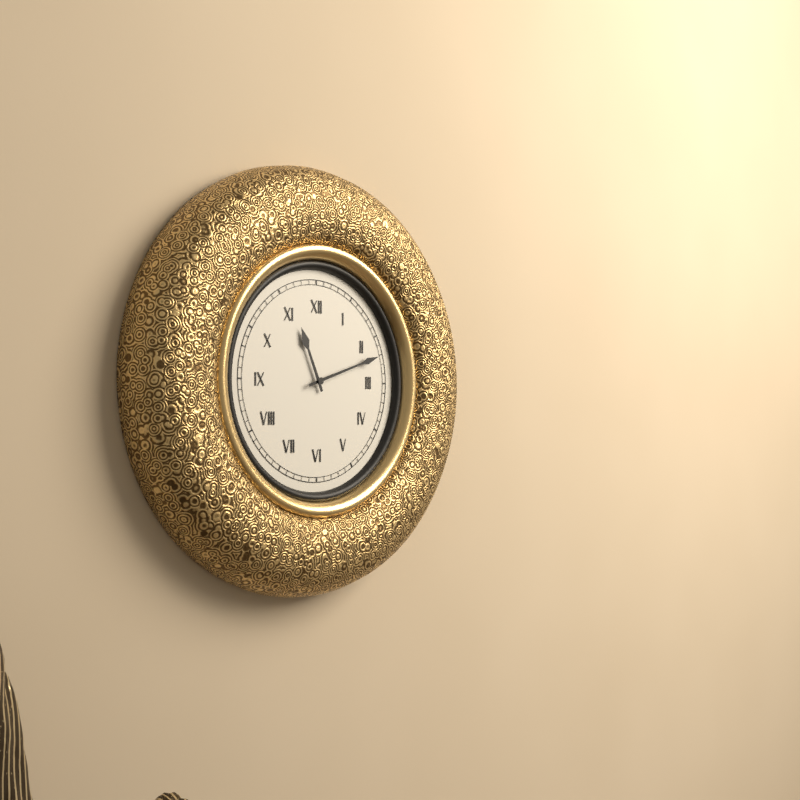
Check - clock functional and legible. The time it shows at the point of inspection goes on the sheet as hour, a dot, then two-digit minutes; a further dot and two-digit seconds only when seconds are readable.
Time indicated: 11.12
